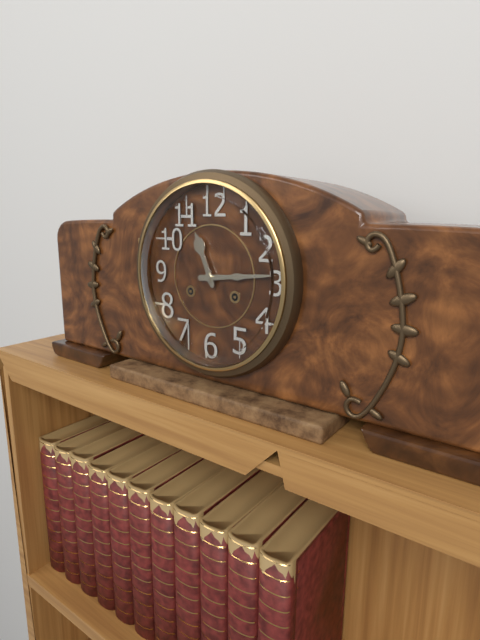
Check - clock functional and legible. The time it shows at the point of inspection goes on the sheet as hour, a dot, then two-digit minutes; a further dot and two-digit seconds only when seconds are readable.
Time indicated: 11.14
